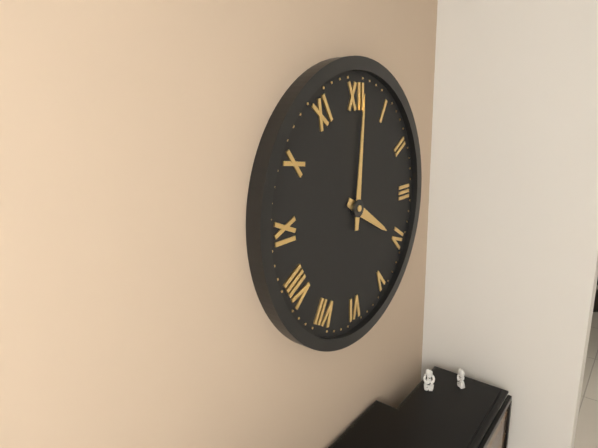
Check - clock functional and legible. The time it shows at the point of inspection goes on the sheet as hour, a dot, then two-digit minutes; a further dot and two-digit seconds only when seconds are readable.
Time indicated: 4.01
